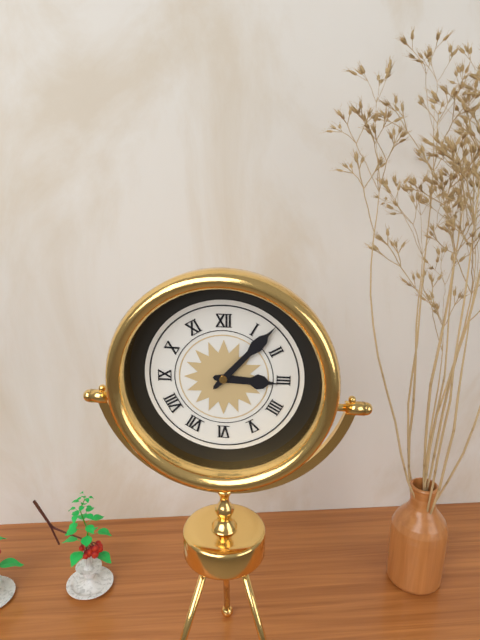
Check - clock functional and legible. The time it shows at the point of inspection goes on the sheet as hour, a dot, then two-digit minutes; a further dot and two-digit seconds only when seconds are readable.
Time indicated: 3.07
